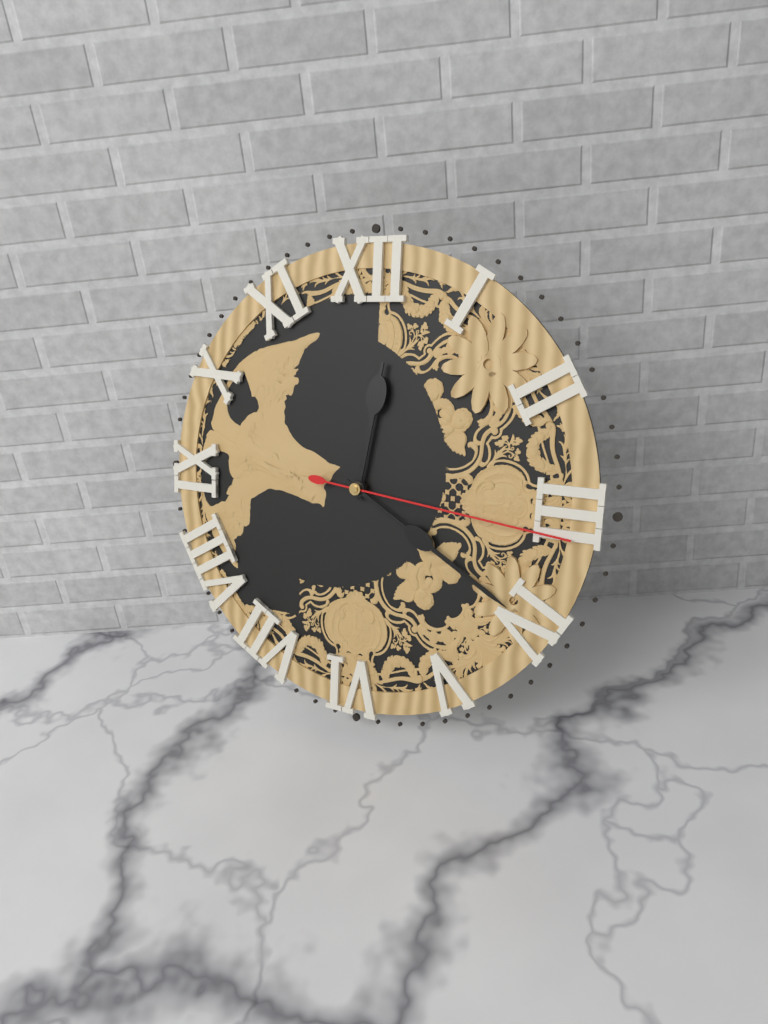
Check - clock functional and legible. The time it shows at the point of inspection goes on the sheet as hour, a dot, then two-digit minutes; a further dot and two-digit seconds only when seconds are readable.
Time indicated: 12.20.16
